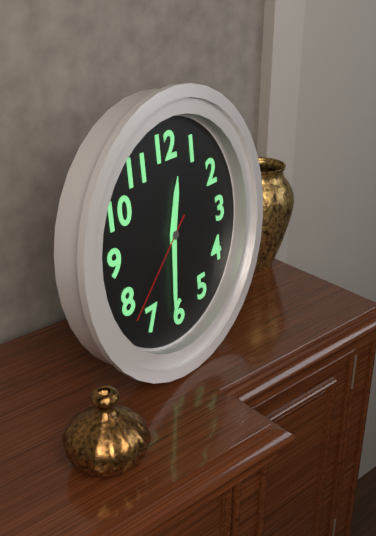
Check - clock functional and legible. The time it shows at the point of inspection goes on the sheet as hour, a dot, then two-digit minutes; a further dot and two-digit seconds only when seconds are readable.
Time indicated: 12.31.38
